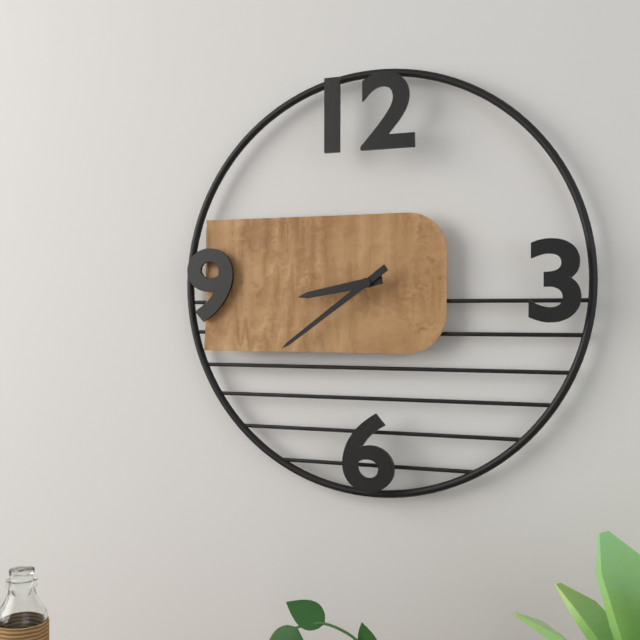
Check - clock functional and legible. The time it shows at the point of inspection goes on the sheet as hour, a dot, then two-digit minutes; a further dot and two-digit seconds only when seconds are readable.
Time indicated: 8.39
